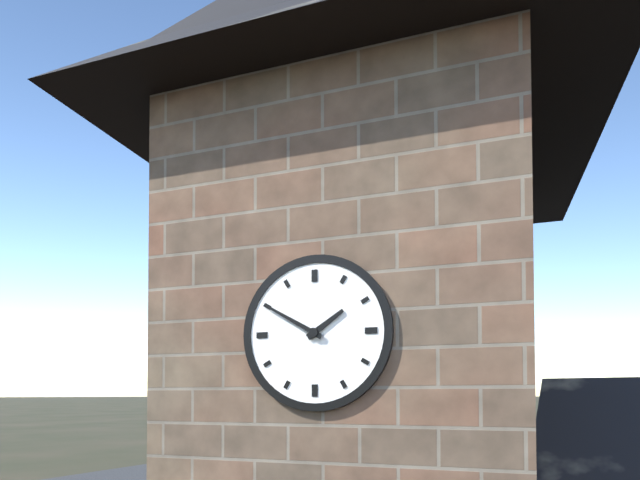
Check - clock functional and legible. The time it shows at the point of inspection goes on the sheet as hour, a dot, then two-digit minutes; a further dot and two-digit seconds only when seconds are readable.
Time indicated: 1.50
